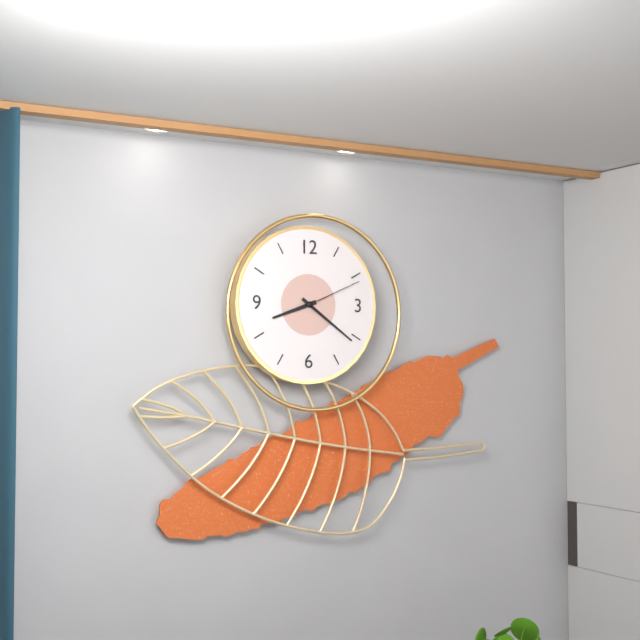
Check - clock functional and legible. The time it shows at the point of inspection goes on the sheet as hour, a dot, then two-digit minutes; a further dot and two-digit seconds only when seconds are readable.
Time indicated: 8.21.11
